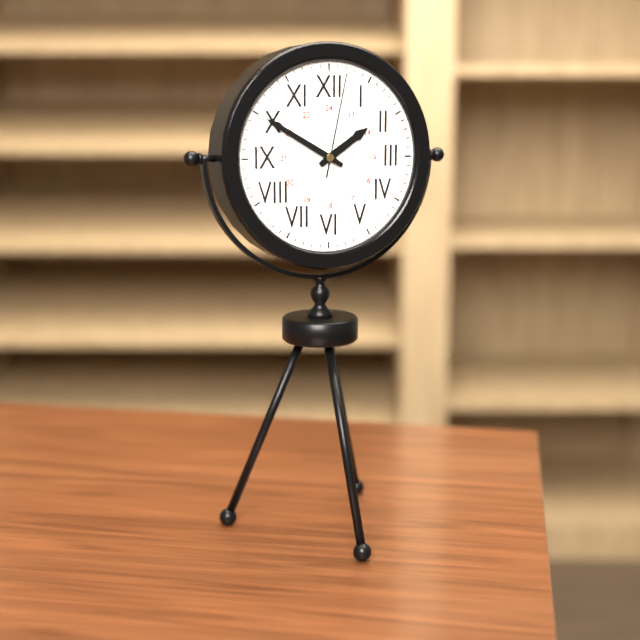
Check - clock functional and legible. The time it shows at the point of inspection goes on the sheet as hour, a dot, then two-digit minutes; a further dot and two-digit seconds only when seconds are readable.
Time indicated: 1.50.02
